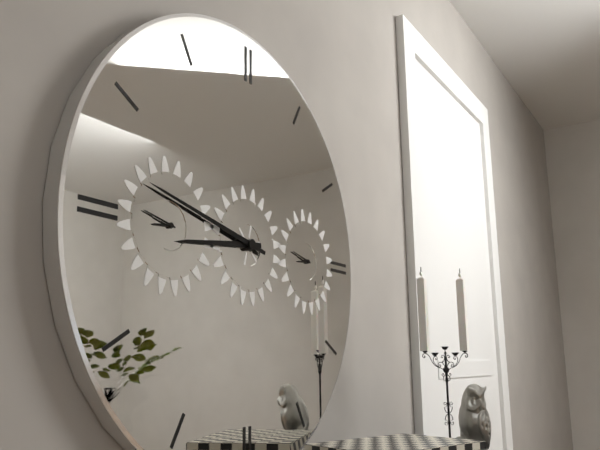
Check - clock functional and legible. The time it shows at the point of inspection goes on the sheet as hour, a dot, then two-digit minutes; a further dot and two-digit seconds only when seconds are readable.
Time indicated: 8.47
